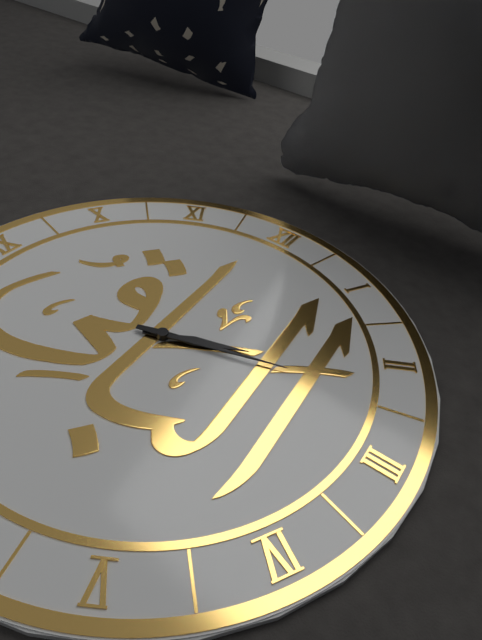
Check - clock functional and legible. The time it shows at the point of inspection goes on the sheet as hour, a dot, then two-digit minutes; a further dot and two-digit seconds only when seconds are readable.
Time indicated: 2.12
